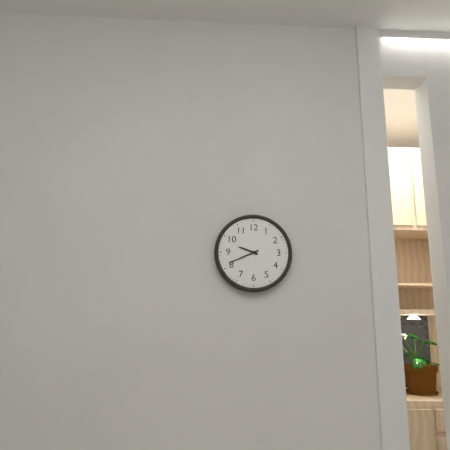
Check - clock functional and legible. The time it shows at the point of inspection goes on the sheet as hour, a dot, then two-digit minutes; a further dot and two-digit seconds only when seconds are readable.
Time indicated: 9.41
